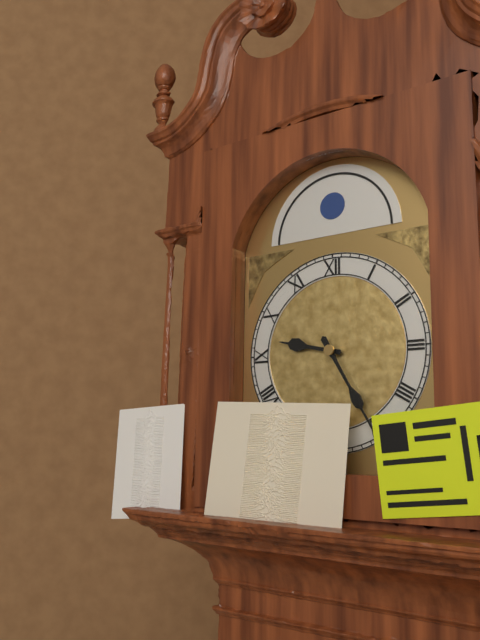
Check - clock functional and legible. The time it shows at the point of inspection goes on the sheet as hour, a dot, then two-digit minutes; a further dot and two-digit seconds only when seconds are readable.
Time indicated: 9.25
